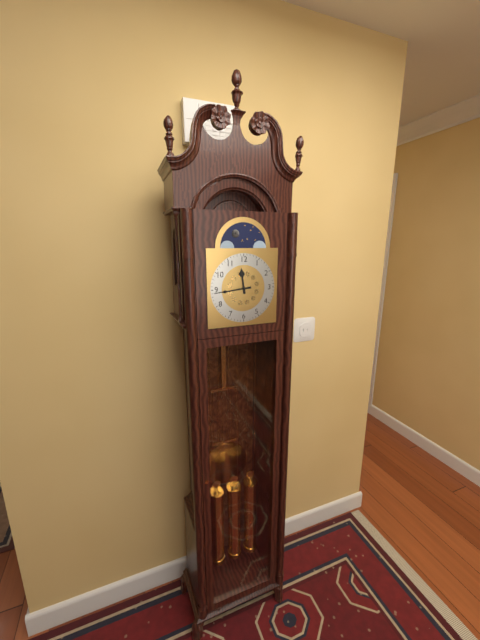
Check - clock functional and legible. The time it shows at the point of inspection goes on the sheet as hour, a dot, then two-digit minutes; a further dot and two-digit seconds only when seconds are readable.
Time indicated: 11.44
